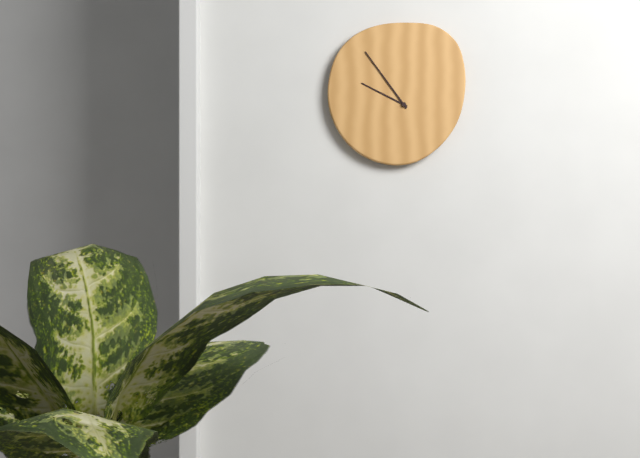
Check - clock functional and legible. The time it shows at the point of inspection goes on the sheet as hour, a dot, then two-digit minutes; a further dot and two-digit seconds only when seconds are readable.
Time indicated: 9.54
